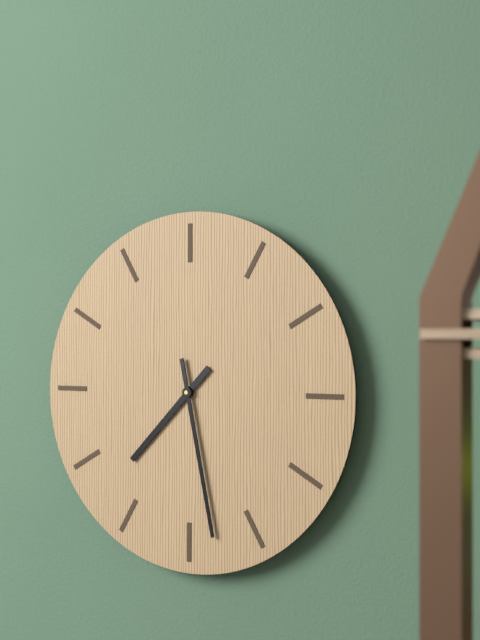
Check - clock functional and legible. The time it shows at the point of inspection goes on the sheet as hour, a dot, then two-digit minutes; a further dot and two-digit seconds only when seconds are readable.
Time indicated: 7.28
